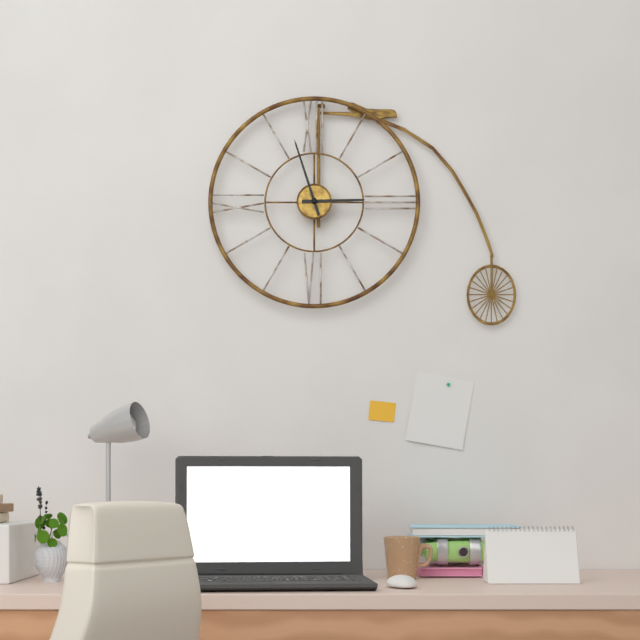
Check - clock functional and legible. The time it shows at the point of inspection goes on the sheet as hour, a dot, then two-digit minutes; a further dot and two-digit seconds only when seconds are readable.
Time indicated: 2.57
